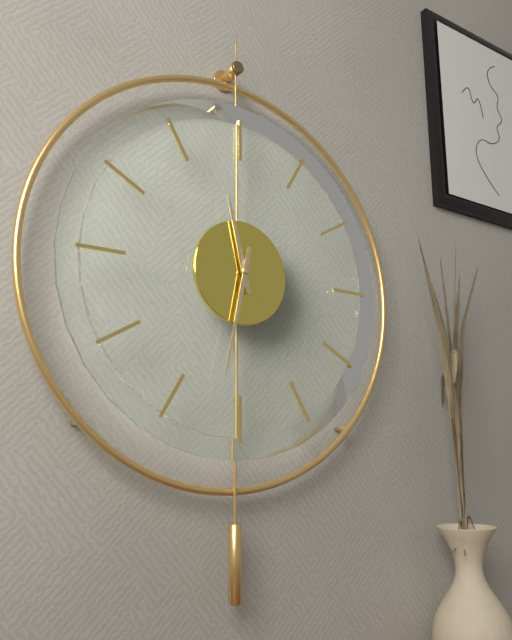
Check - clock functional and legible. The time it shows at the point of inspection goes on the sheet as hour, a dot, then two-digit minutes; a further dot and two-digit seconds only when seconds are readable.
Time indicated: 11.32
